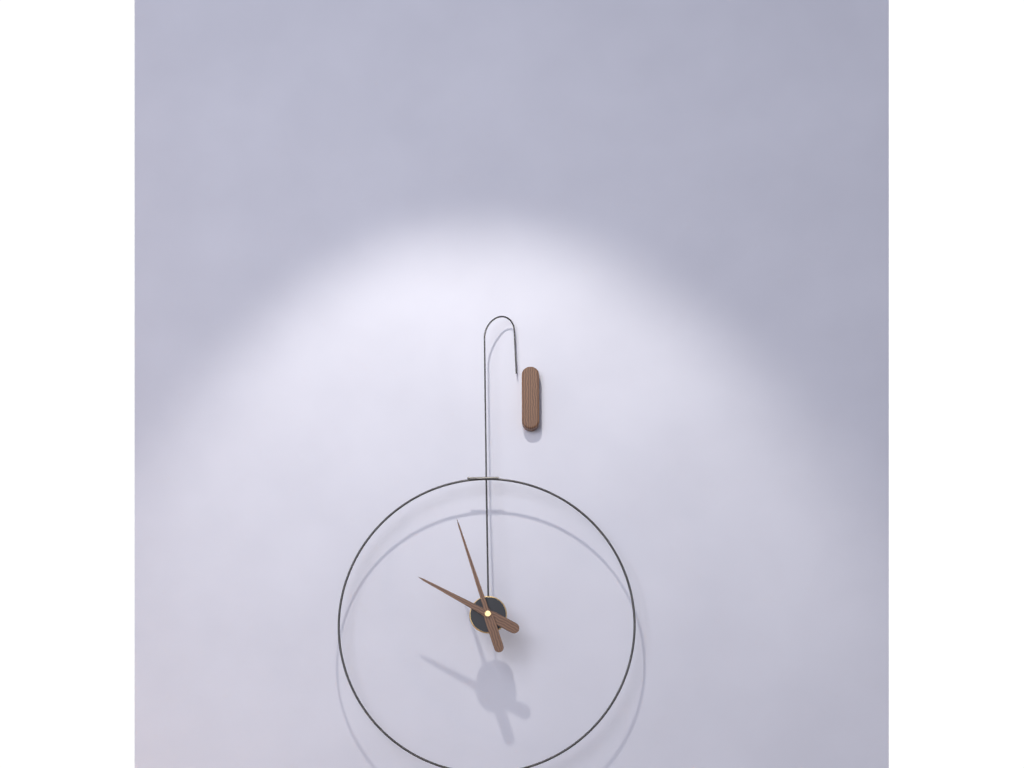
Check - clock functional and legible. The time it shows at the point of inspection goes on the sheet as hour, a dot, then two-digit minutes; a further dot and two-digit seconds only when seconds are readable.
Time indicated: 9.57
